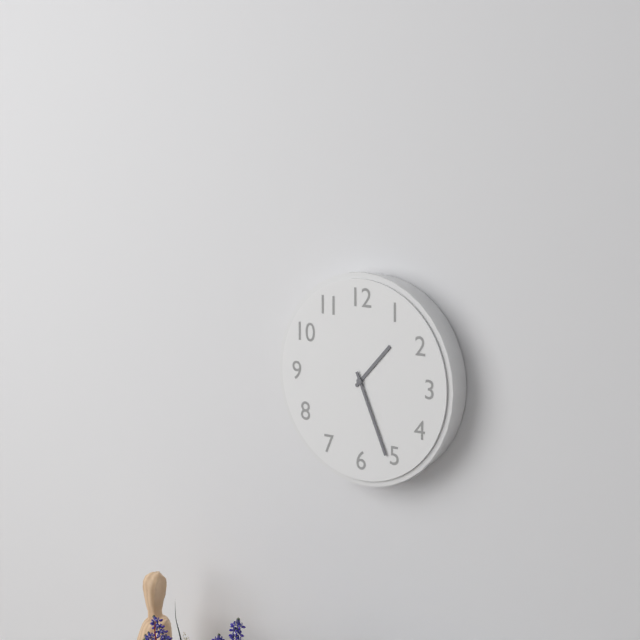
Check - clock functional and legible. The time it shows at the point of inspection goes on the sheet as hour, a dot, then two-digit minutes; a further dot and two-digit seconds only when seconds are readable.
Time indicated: 1.26
